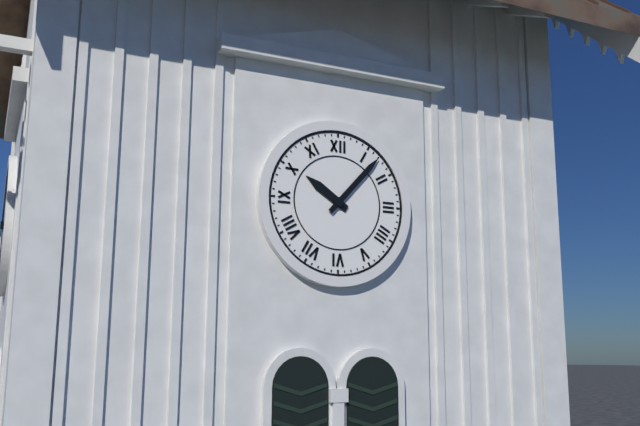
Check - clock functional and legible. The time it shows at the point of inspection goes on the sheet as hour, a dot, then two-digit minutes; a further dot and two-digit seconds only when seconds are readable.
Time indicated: 10.07
